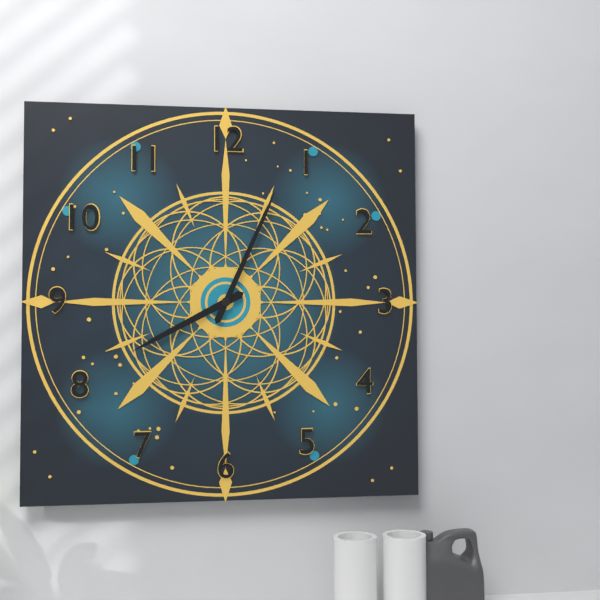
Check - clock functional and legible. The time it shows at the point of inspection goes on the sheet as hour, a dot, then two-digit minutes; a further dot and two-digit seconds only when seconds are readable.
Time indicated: 8.04
